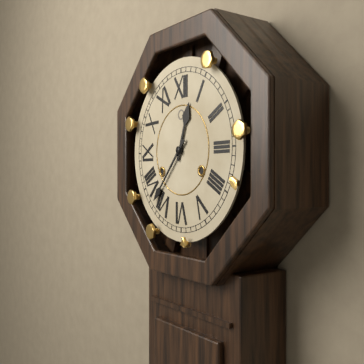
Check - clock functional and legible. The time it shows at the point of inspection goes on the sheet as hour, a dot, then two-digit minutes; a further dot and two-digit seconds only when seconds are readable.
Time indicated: 12.37
